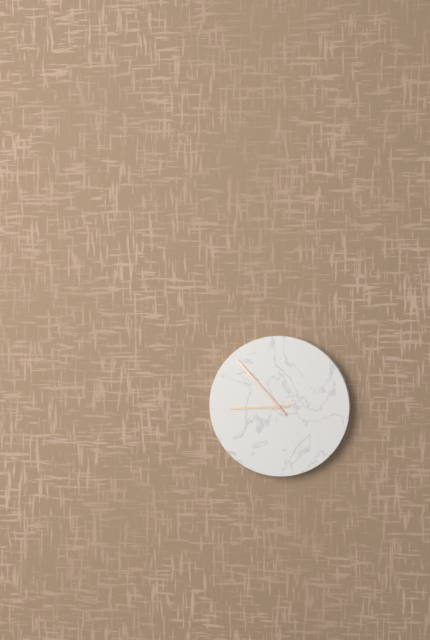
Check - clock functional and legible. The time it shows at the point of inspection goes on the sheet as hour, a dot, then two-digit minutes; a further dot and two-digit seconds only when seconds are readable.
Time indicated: 8.53
